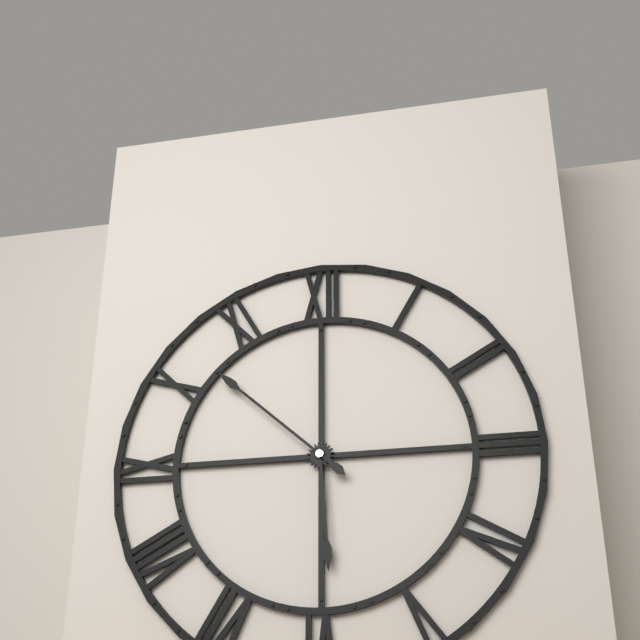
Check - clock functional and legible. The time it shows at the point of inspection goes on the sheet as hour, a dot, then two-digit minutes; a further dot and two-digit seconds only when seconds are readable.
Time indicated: 5.52
